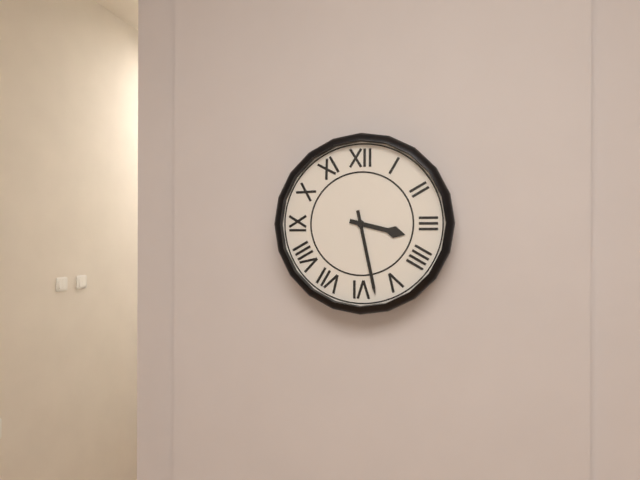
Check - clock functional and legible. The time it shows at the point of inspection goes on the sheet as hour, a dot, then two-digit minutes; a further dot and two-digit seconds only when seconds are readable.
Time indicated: 3.28
